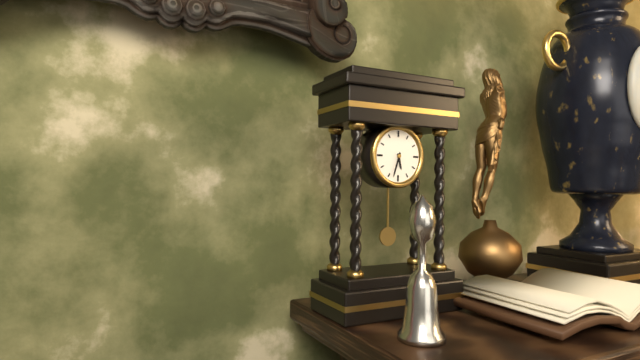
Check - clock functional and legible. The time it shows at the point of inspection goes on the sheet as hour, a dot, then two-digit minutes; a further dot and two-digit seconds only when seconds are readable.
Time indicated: 5.33
